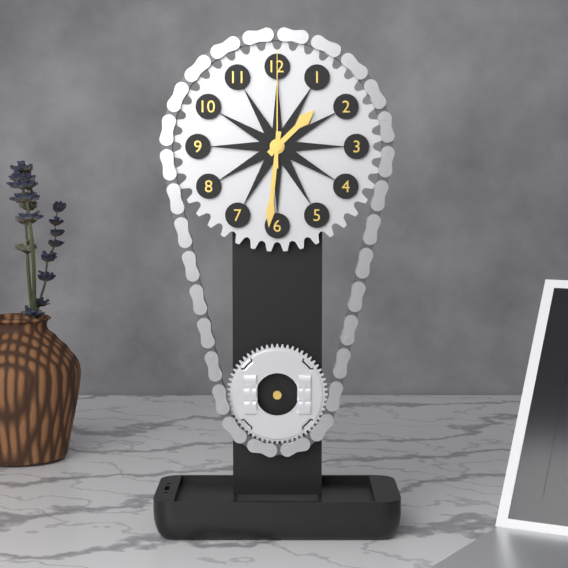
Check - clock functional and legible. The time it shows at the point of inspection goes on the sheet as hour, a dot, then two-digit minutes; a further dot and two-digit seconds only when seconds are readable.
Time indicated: 1.31.00
